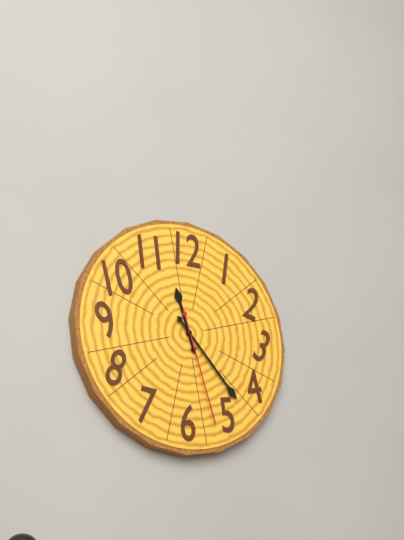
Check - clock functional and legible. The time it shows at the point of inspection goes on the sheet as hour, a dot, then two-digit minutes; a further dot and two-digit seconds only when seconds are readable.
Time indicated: 11.23.27
